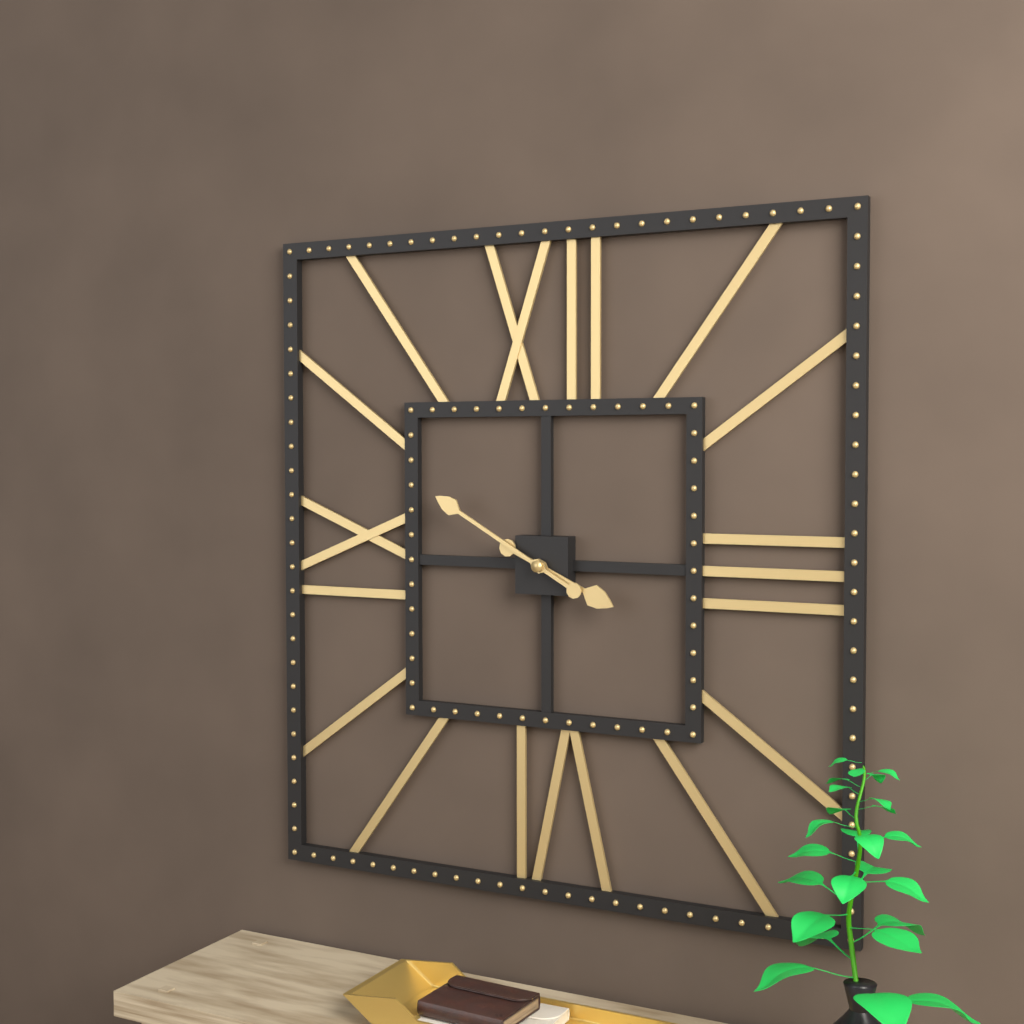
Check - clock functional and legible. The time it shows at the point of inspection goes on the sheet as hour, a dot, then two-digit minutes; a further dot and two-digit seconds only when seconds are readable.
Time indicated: 3.50
